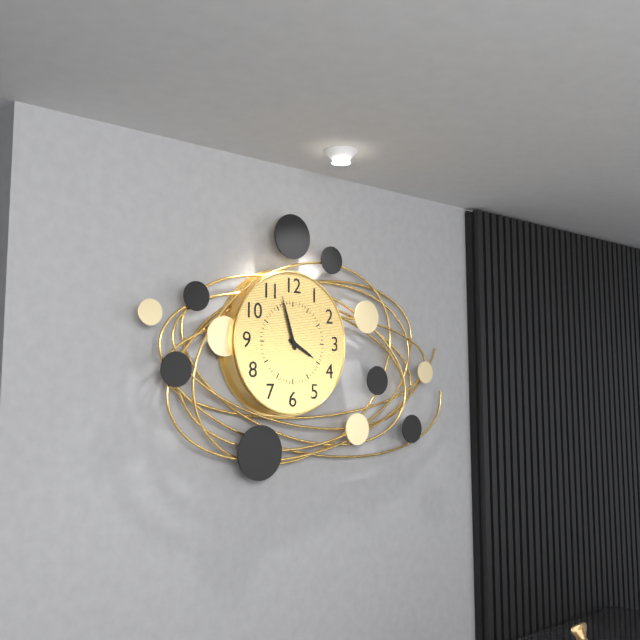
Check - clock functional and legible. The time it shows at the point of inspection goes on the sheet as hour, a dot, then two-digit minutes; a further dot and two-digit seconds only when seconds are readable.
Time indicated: 3.57
